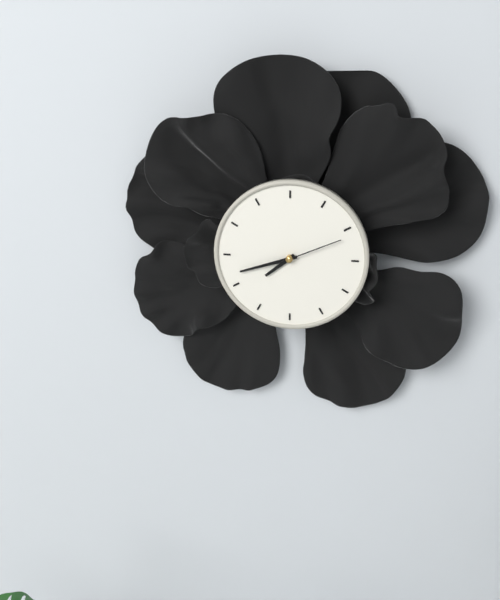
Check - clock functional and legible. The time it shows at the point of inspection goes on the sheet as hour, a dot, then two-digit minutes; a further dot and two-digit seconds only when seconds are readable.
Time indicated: 7.42.11
